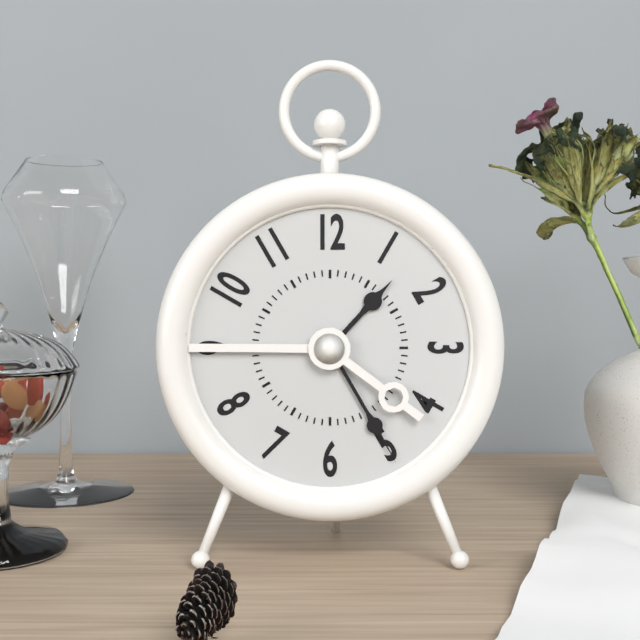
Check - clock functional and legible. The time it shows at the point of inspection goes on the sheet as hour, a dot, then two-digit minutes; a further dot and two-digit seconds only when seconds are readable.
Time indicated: 1.25
